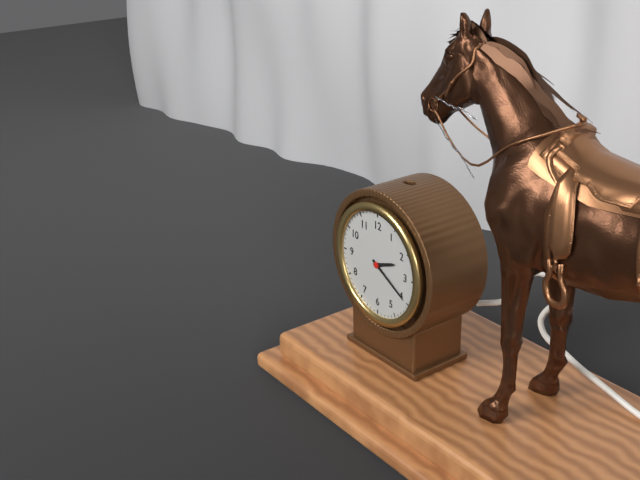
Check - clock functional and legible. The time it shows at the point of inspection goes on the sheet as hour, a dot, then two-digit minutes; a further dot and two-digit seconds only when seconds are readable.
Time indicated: 2.20
